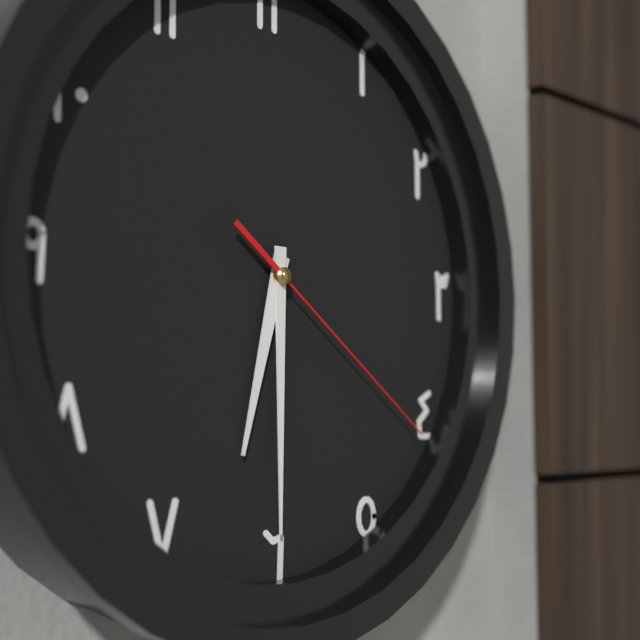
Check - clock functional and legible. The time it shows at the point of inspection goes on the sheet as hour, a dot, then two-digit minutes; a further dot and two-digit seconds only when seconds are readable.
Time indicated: 6.30.21
